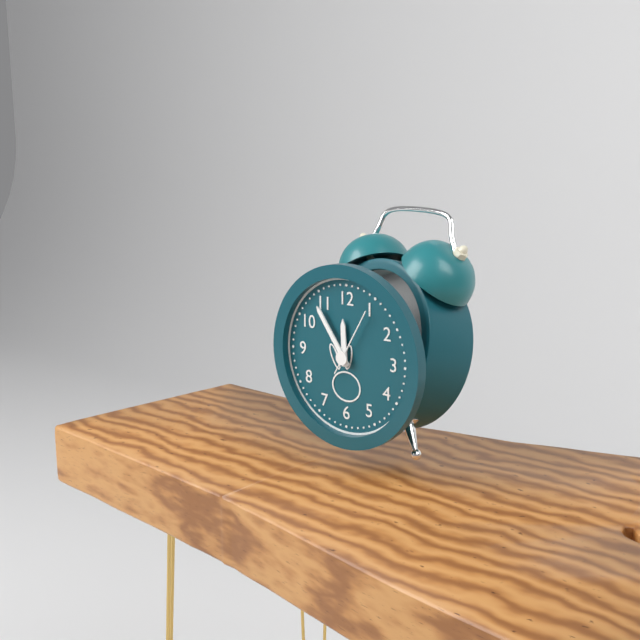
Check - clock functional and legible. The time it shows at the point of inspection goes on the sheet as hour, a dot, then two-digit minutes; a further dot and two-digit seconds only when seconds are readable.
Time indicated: 11.54.05
